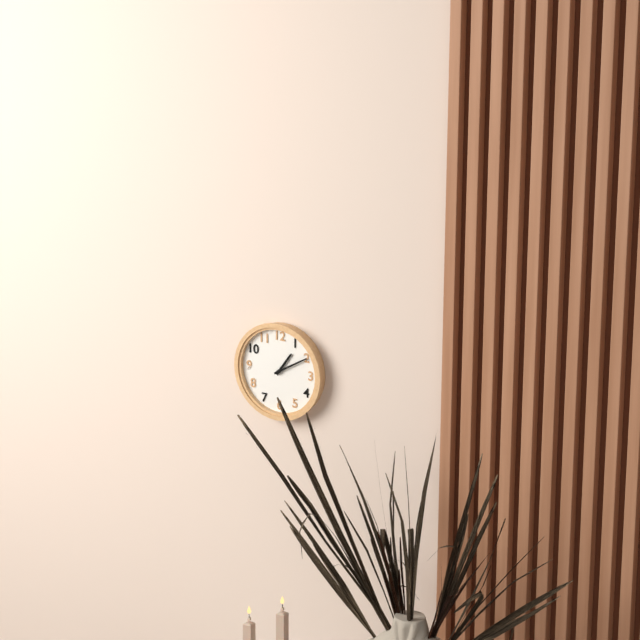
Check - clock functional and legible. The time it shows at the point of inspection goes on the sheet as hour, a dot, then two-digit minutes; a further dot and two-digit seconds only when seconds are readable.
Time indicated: 1.10
